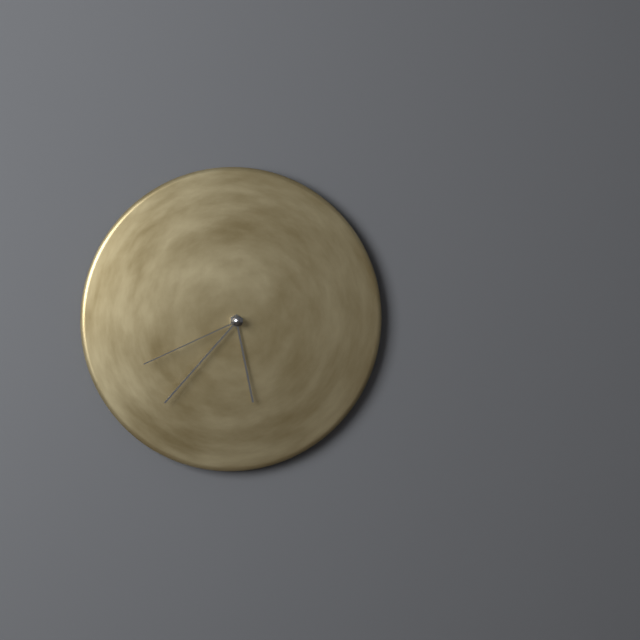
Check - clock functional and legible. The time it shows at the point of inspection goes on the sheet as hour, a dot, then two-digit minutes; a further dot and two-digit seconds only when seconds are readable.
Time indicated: 5.37.41
